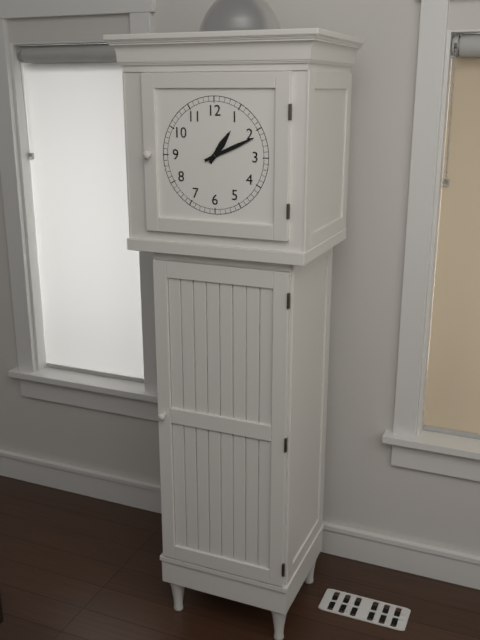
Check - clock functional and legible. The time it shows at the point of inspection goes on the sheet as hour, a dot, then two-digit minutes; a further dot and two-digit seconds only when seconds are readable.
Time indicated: 1.11
